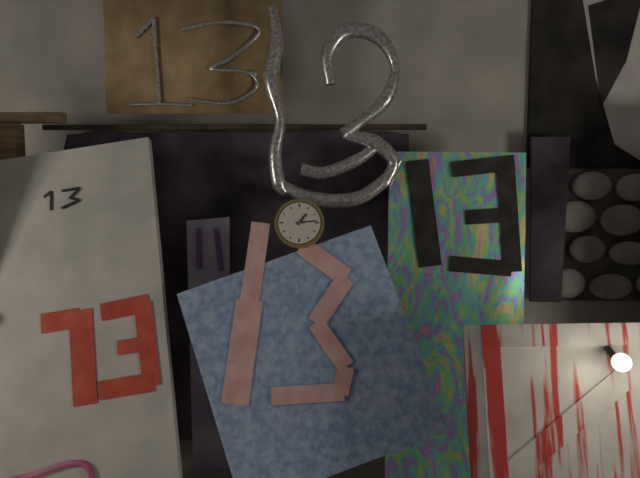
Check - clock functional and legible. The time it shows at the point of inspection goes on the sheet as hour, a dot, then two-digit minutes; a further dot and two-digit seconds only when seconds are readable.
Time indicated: 1.14
